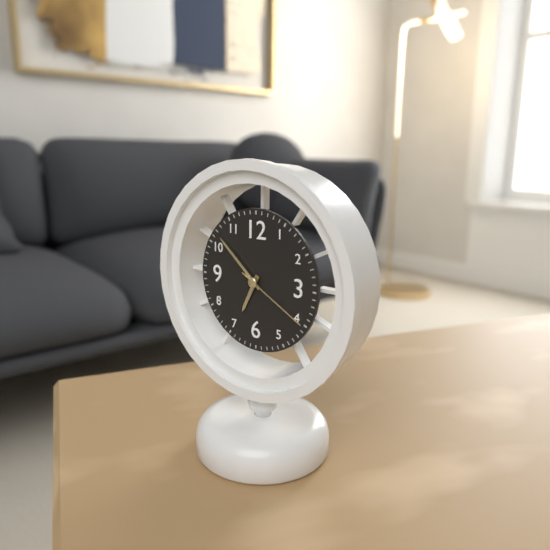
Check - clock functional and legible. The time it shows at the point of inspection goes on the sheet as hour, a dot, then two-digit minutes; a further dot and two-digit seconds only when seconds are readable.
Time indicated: 6.52.20
